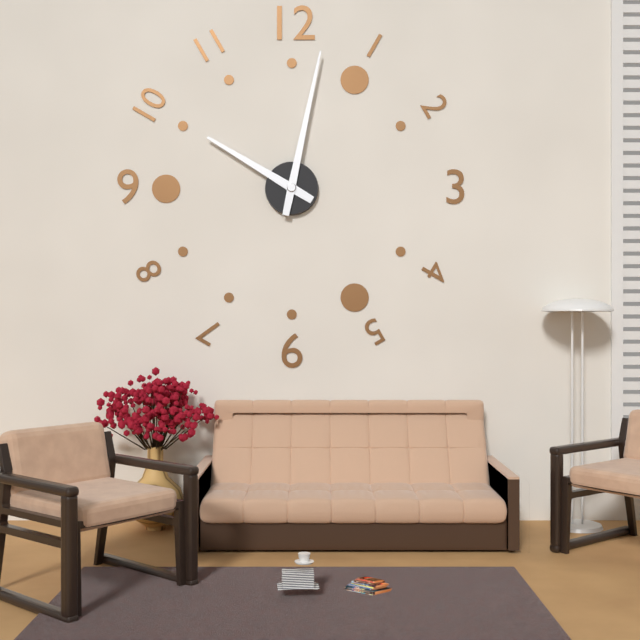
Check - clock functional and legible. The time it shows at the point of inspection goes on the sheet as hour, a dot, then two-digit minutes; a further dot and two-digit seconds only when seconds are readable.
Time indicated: 10.02
